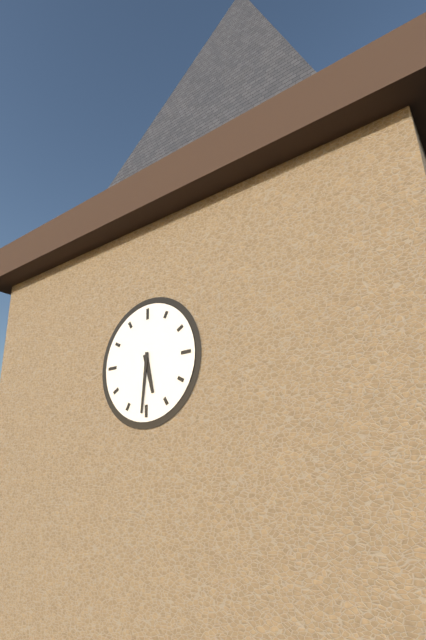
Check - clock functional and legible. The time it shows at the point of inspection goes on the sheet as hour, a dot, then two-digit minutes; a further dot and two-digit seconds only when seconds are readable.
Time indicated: 5.31
